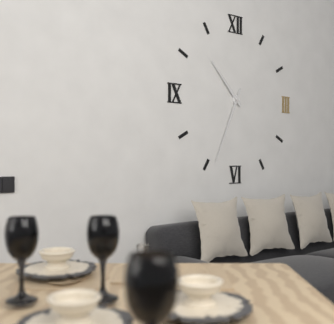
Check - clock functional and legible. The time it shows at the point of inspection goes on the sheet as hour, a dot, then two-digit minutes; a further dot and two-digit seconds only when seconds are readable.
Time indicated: 10.34
